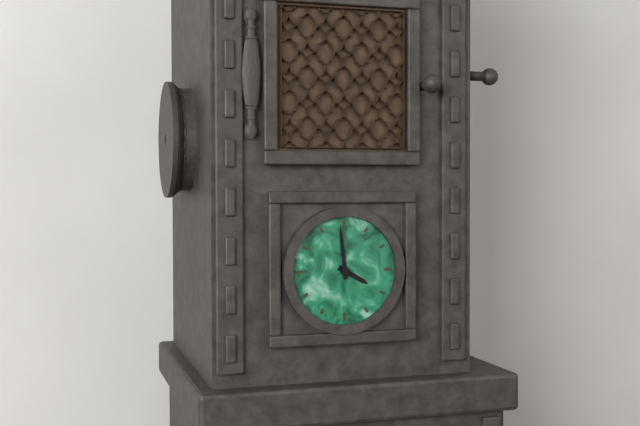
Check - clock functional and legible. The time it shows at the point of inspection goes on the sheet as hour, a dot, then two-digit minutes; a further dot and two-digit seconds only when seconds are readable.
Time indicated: 3.59
